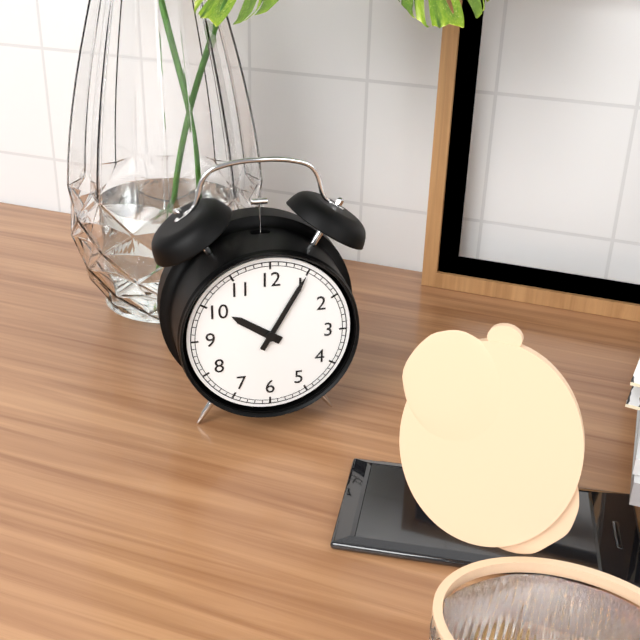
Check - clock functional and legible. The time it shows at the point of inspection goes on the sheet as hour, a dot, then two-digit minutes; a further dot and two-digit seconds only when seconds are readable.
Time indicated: 10.05
